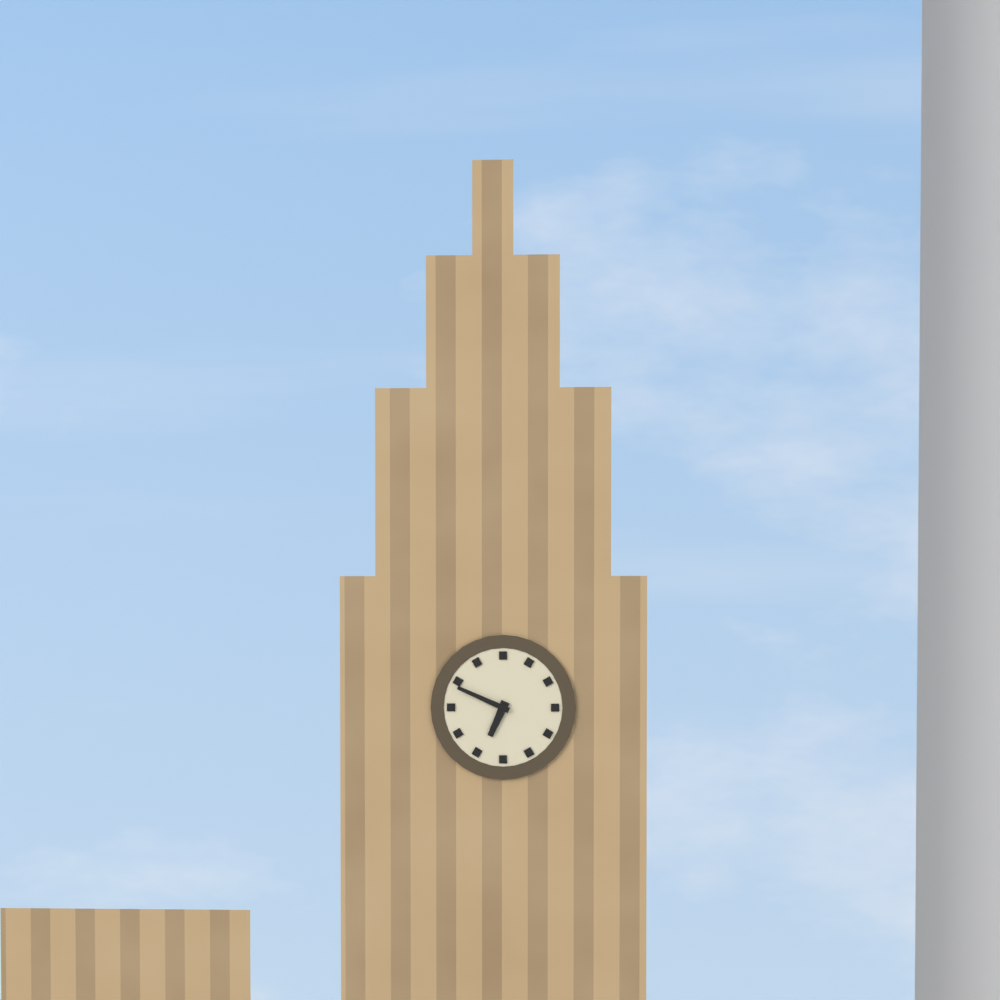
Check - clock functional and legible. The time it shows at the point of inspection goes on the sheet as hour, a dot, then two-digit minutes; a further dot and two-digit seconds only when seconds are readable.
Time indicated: 6.49
